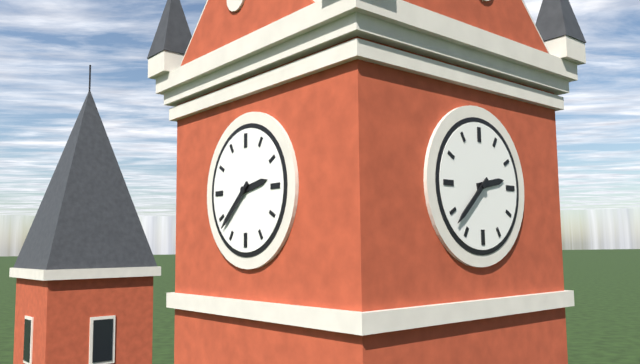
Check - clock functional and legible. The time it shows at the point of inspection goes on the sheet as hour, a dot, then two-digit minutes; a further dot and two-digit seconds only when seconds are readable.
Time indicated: 2.38
